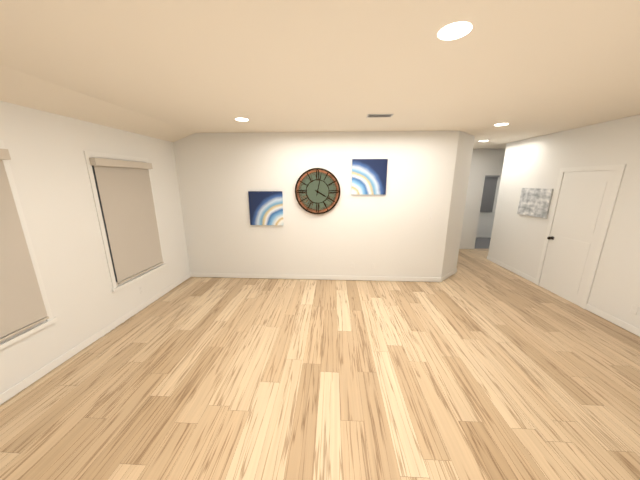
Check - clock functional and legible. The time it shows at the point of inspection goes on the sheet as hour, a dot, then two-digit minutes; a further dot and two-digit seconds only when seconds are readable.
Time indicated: 4.02
